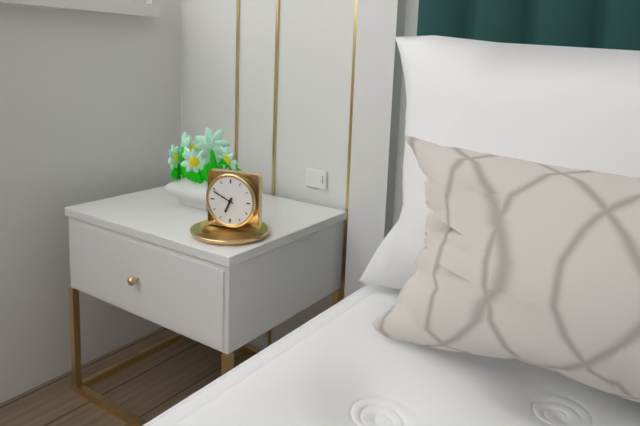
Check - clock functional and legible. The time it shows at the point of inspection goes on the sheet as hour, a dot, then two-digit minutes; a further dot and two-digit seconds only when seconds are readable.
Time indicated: 6.49
